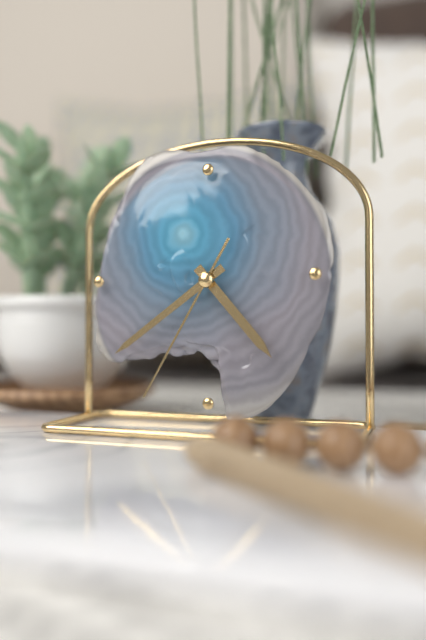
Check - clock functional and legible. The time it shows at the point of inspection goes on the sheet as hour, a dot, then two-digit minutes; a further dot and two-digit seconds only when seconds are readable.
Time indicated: 4.39.35
